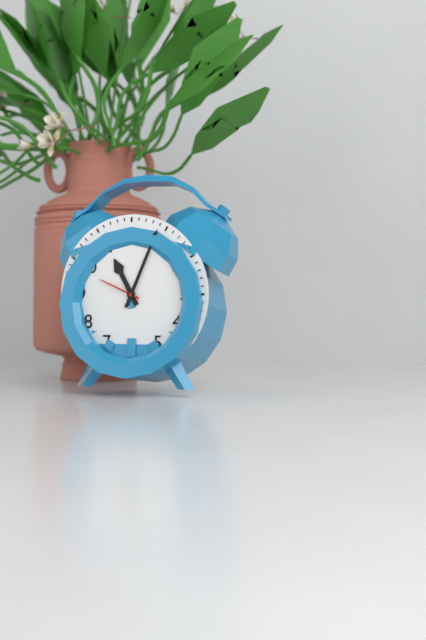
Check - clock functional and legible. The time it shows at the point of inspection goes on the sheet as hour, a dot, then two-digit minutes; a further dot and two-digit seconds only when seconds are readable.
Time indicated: 11.04
